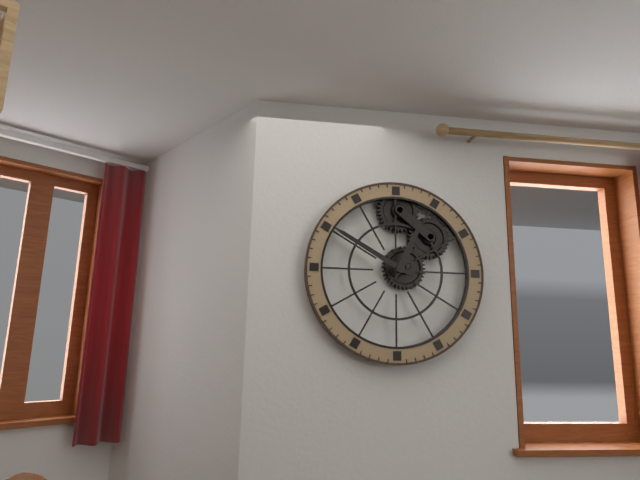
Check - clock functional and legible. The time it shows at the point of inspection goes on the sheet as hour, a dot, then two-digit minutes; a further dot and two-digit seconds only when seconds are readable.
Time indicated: 12.50
